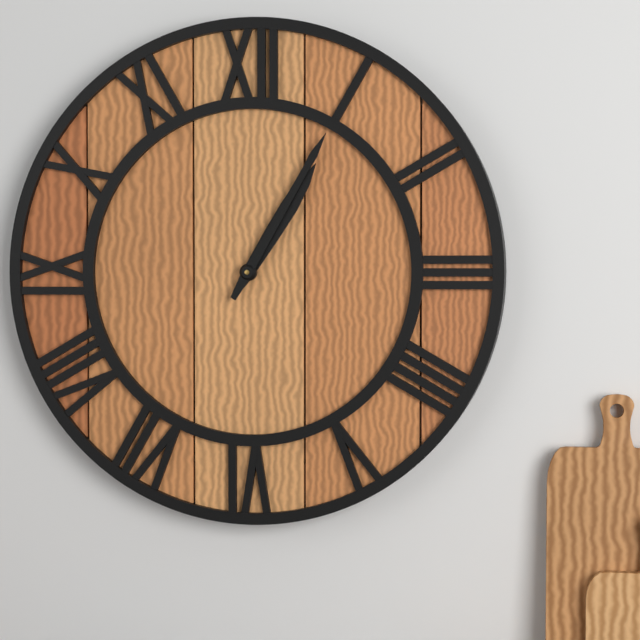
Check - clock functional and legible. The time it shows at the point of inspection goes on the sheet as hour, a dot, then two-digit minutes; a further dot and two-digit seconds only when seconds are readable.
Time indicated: 1.05
